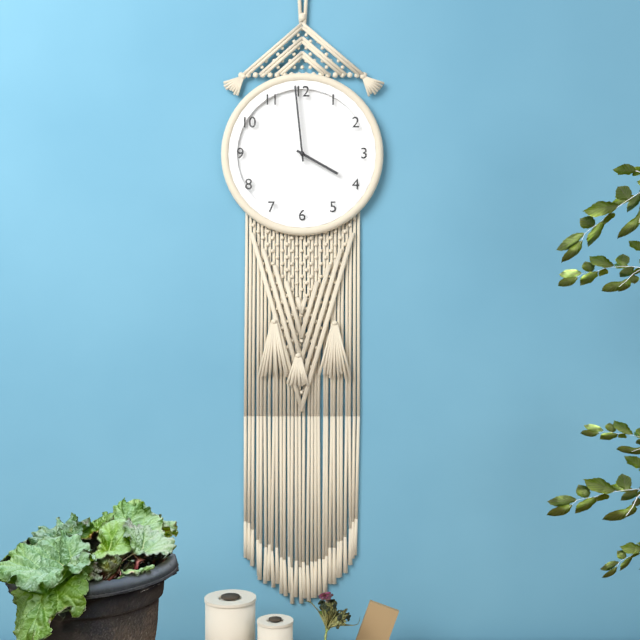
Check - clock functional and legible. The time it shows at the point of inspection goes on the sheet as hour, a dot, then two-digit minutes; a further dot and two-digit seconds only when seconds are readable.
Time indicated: 3.59
